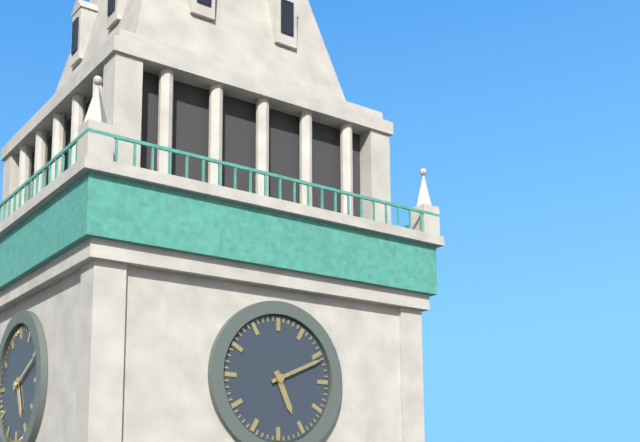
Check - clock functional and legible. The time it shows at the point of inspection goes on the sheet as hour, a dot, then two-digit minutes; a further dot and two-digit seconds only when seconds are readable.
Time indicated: 5.11
